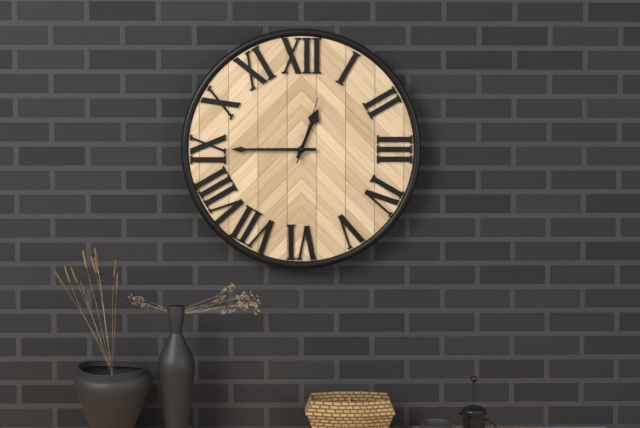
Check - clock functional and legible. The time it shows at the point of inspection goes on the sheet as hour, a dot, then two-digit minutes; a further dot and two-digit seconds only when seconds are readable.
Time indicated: 12.45.03
